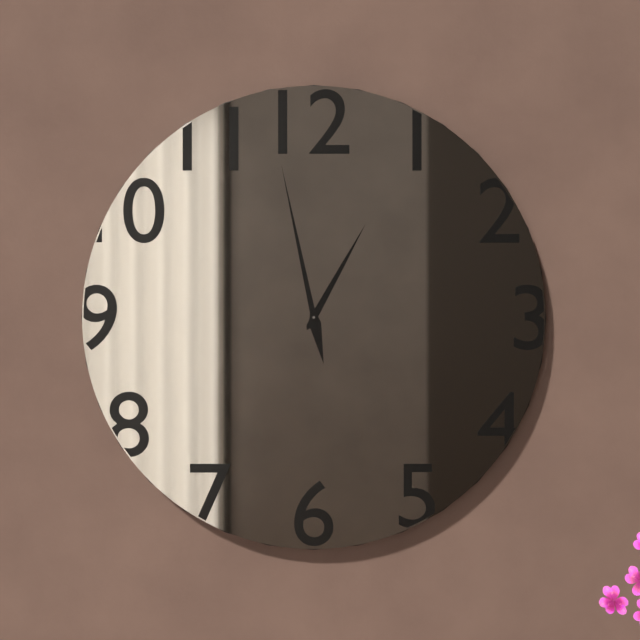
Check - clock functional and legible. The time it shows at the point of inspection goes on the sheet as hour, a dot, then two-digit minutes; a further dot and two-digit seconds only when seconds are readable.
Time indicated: 12.58
